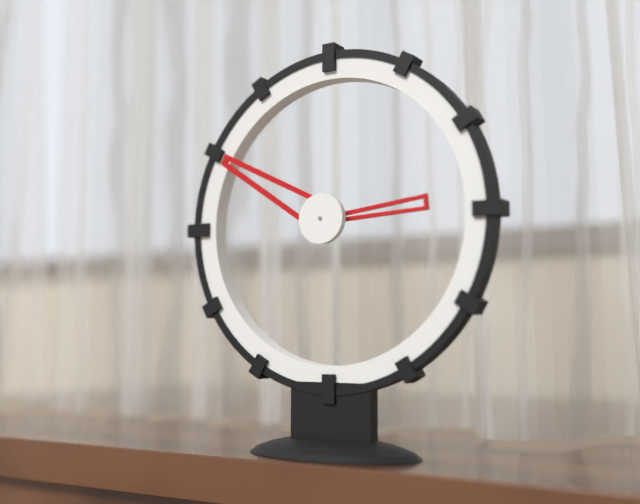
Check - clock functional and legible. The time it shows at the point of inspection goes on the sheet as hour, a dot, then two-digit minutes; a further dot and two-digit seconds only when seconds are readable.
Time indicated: 2.50
